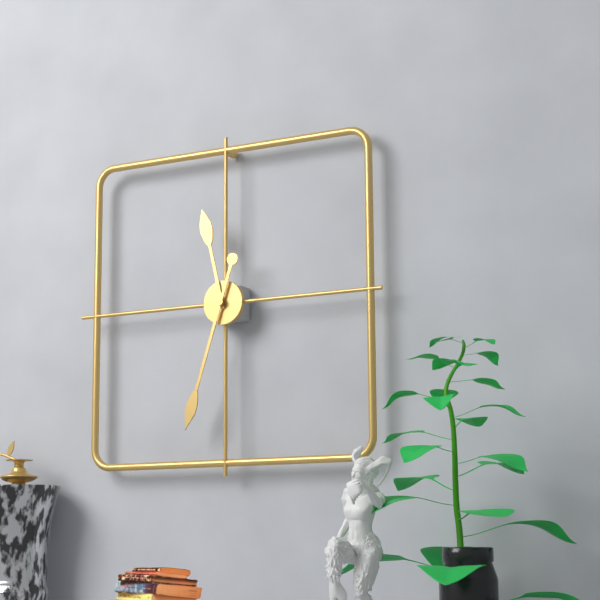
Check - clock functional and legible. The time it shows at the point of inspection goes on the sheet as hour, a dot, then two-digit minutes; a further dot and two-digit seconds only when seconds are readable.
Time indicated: 11.33
